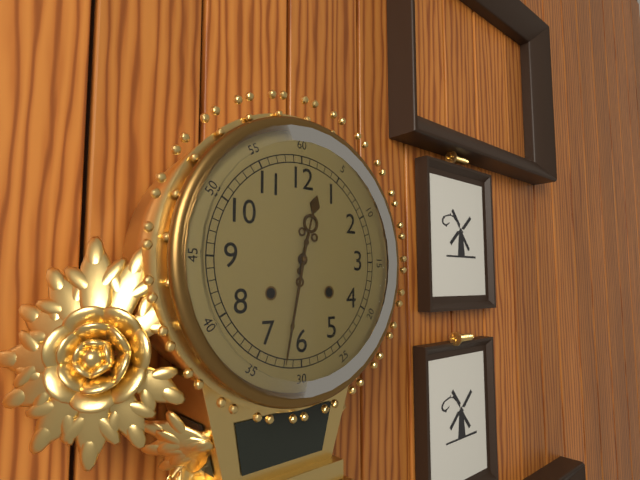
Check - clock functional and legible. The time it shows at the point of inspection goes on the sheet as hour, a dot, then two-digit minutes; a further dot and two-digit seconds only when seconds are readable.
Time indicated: 12.32
